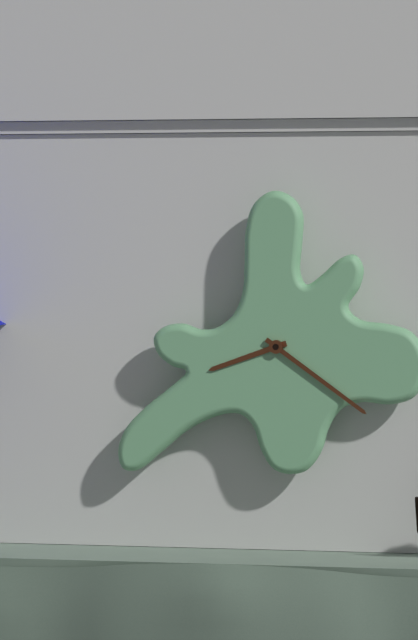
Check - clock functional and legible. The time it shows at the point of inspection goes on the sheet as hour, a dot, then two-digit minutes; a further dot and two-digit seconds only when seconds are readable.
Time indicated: 8.21
